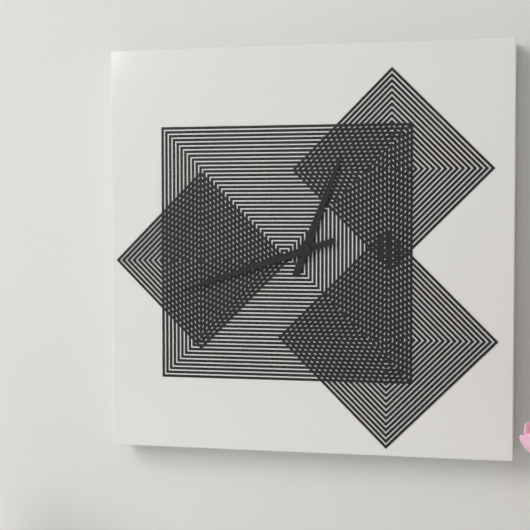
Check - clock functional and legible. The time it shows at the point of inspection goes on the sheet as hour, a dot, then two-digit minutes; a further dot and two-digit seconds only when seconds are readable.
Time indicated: 12.42
